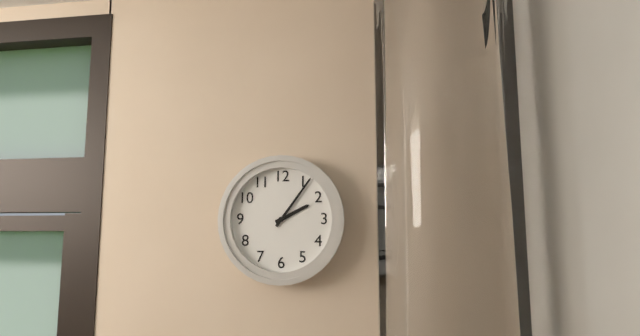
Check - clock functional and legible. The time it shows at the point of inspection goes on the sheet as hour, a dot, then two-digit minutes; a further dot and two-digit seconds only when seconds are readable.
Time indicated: 2.06
